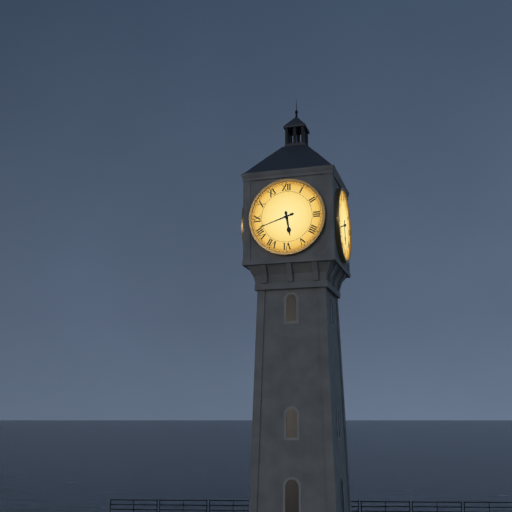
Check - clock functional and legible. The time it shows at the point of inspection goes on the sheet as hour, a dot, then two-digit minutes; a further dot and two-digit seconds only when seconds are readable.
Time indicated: 5.42
